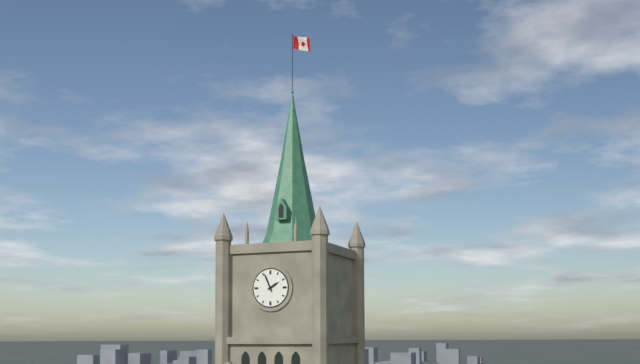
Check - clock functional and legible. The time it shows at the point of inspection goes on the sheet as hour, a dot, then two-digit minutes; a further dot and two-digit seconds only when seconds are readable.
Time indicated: 1.56
